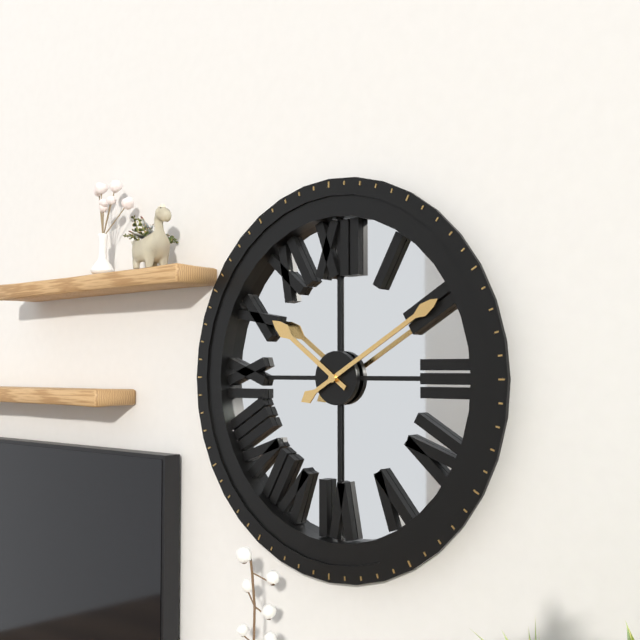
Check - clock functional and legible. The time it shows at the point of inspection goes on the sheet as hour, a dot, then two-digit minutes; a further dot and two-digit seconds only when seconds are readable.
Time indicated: 10.10
